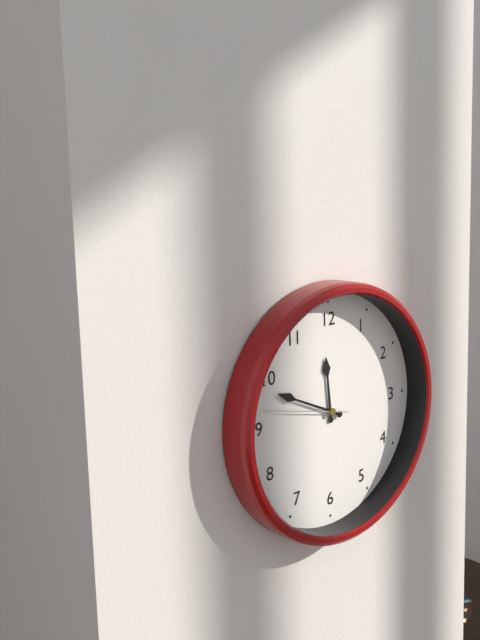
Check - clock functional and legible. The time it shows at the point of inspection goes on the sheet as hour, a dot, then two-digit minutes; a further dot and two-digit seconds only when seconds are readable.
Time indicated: 11.49.47
